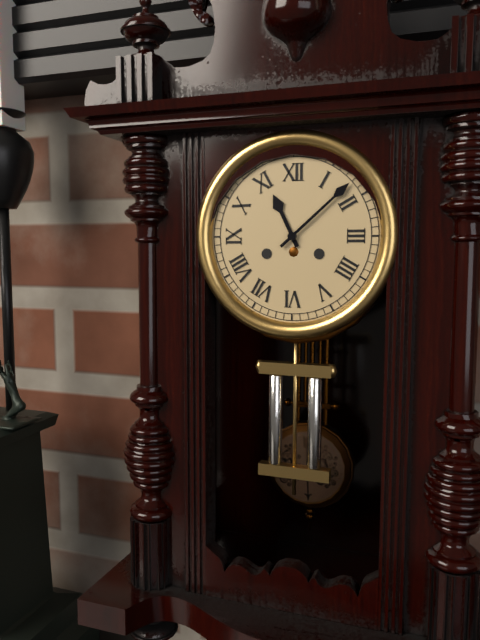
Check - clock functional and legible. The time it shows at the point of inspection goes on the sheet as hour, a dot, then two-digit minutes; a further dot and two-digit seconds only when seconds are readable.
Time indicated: 11.08
